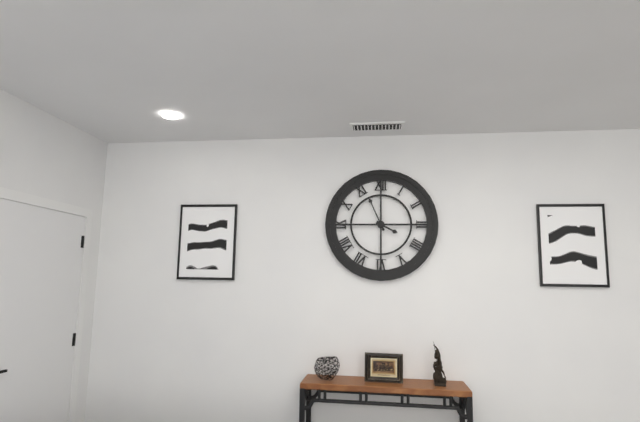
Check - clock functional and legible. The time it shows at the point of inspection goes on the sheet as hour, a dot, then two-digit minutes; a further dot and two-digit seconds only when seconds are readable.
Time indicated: 3.56
